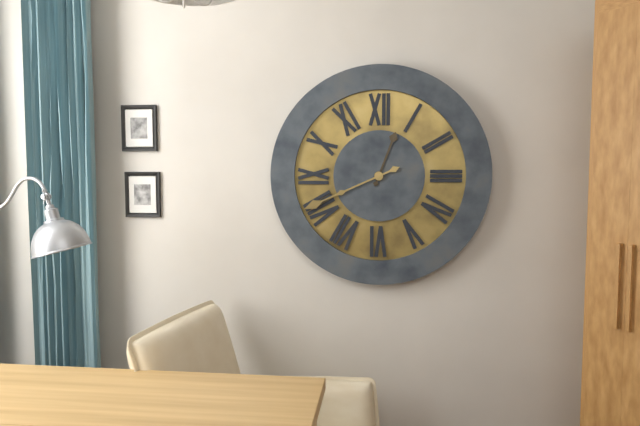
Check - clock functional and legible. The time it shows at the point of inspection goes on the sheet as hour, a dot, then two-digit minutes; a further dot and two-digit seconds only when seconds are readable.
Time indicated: 12.41
